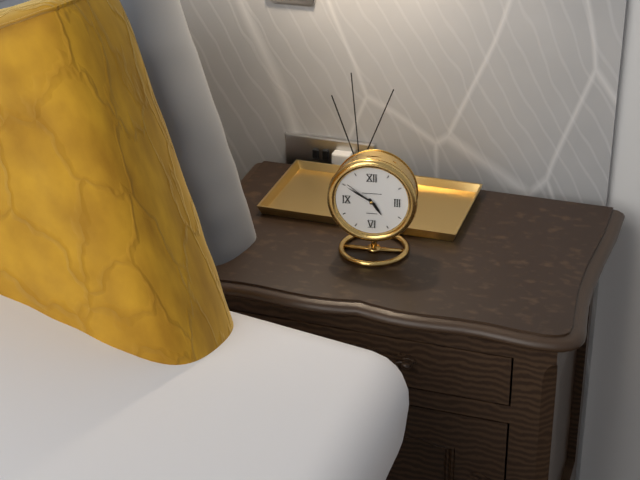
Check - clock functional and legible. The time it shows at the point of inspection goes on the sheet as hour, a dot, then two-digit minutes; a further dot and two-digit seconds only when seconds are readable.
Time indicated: 4.50
